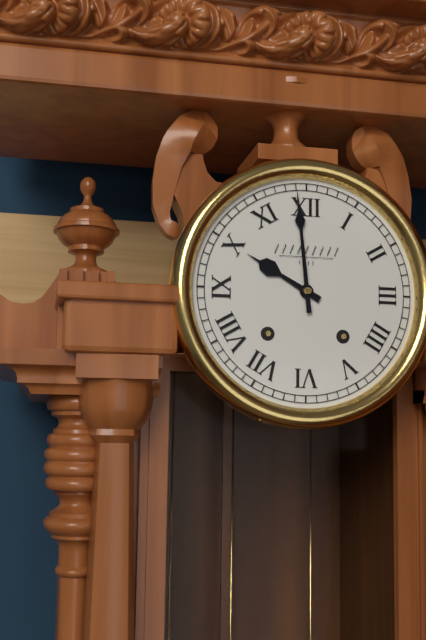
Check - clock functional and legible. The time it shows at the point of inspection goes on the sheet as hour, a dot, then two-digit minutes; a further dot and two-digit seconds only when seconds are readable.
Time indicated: 9.59
